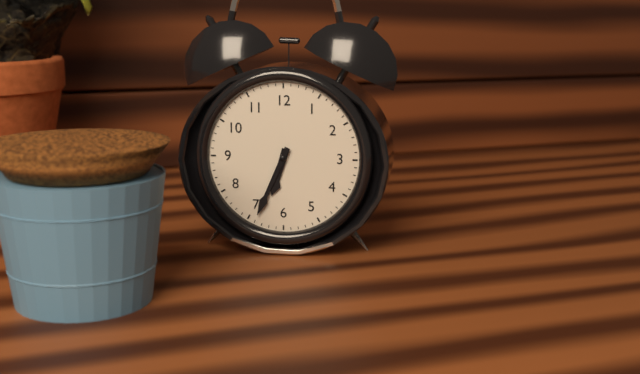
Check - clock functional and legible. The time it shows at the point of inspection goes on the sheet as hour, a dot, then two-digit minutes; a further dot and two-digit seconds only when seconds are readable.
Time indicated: 6.34
